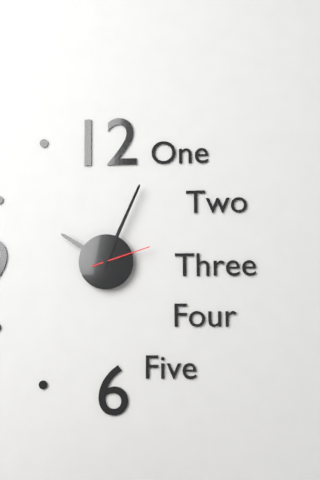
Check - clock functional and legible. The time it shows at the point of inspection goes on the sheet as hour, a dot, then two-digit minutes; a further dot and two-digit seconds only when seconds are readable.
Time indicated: 10.04.12
